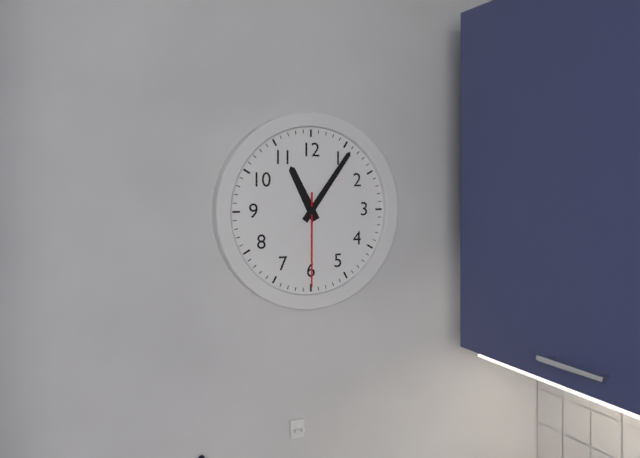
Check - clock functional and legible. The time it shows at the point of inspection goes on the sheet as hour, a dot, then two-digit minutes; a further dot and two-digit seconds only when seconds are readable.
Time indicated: 11.06.30
